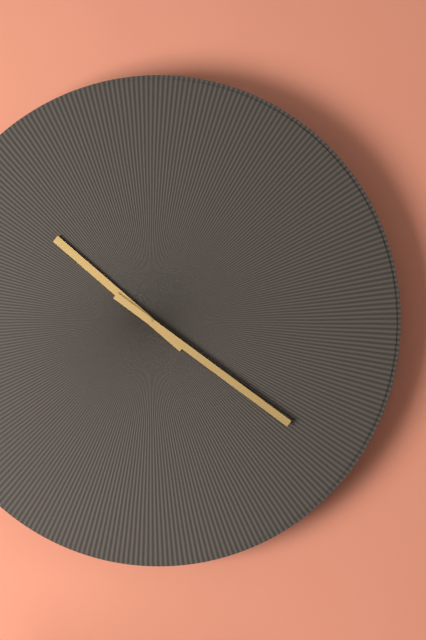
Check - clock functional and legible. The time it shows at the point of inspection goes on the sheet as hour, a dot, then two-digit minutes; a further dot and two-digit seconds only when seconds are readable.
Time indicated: 10.21
